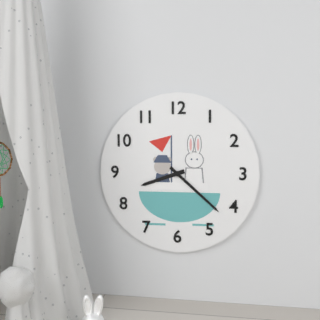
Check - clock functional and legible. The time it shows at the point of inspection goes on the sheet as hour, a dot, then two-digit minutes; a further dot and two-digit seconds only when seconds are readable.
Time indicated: 8.22
